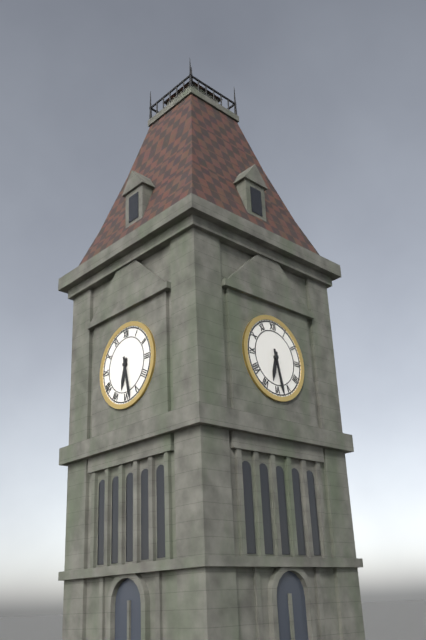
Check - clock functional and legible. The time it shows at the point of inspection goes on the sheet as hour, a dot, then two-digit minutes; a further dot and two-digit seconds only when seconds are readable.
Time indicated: 6.28
